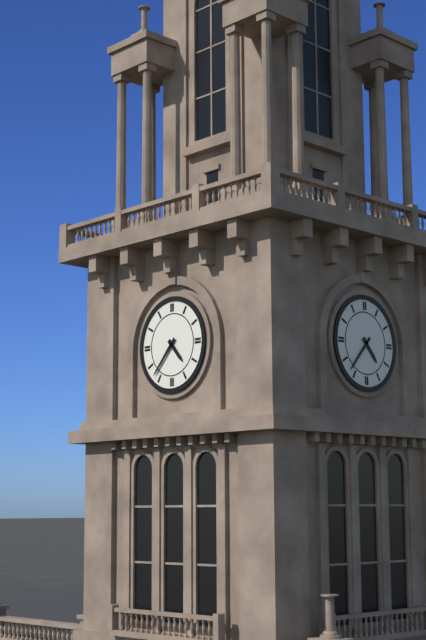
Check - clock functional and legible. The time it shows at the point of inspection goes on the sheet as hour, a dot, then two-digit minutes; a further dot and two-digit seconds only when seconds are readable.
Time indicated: 4.37
